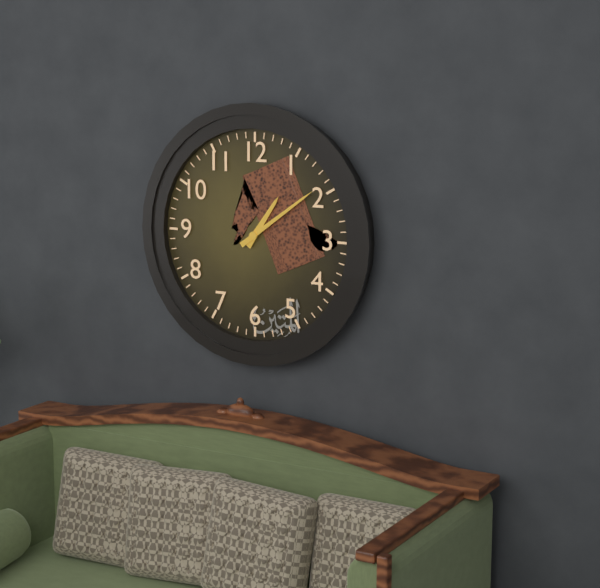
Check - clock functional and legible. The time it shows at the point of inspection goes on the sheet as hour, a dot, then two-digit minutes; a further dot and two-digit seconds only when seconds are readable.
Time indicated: 1.09
